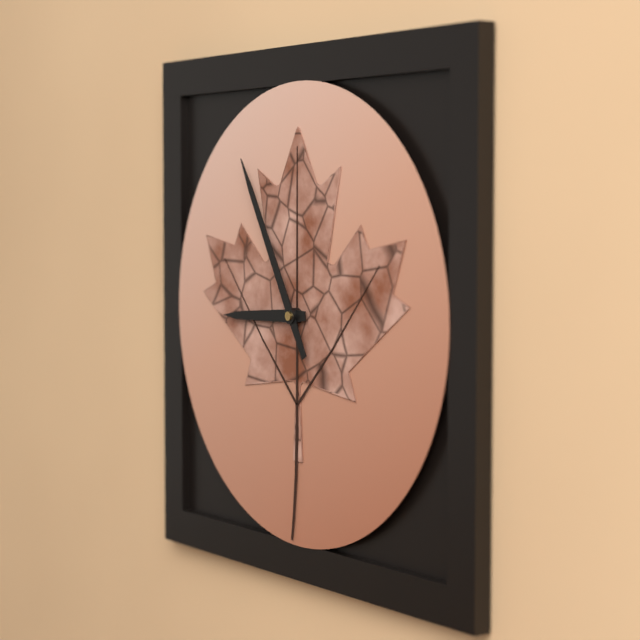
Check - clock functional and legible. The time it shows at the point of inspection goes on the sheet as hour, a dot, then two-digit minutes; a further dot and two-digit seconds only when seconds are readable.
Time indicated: 8.55
